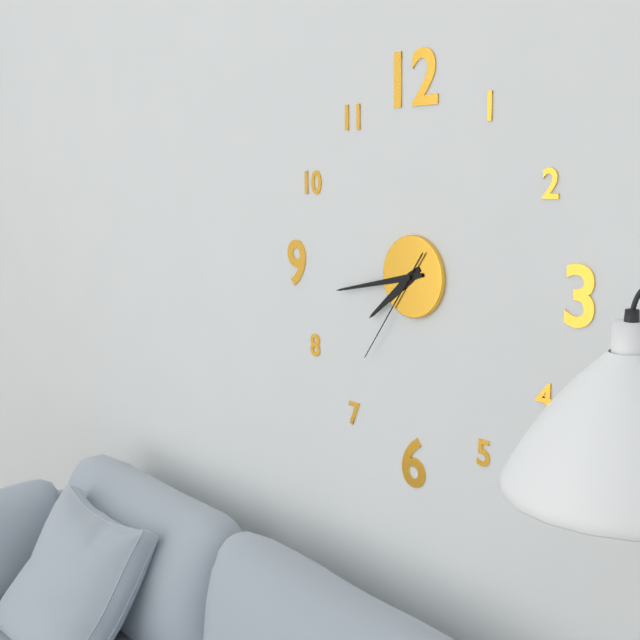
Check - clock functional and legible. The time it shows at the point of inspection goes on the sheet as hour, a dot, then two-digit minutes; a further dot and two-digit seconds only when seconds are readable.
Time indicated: 7.43.36
